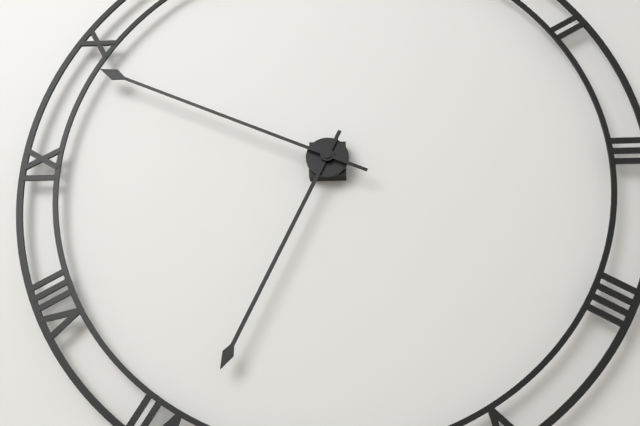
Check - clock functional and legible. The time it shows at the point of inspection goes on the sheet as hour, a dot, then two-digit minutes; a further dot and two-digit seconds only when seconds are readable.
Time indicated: 6.49
